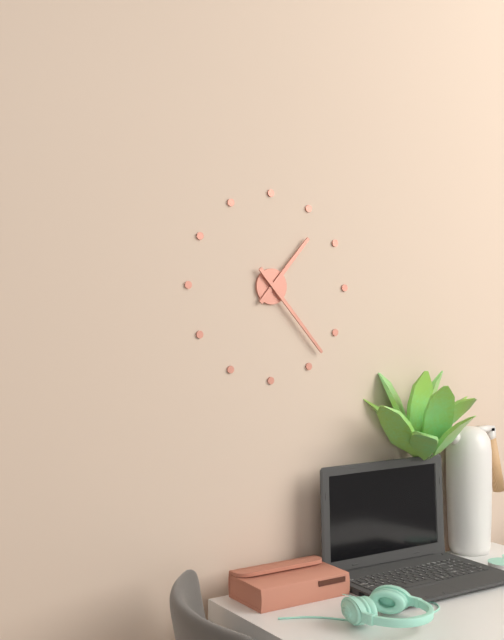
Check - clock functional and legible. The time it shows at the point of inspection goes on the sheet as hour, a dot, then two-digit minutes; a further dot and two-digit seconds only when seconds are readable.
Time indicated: 1.23
